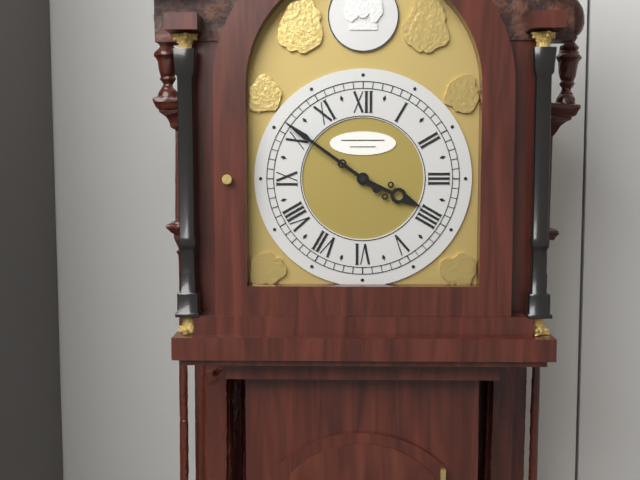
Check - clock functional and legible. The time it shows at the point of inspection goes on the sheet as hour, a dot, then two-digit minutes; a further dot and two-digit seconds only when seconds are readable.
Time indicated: 3.51
